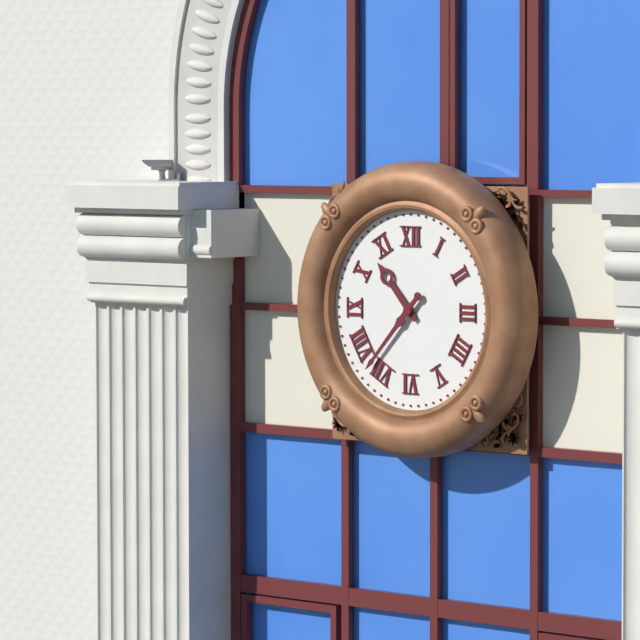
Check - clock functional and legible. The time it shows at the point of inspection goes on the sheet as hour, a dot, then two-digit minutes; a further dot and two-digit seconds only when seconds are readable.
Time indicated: 10.37
